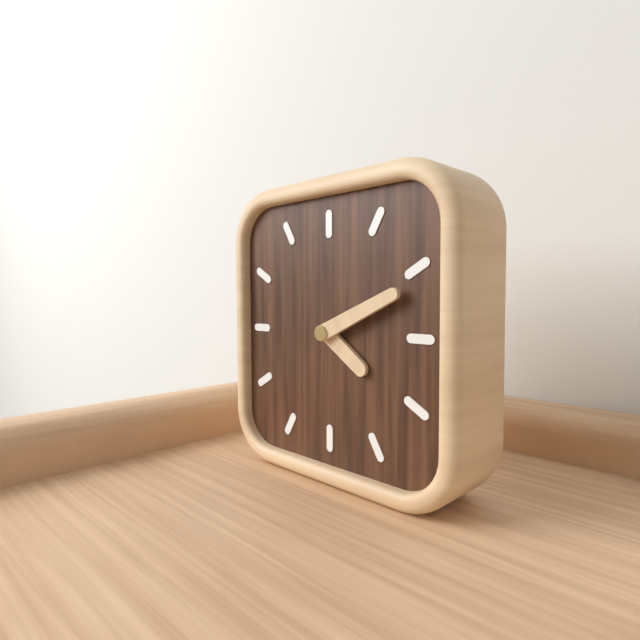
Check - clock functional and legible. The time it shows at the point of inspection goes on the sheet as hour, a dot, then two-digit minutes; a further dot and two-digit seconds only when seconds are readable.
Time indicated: 4.11
